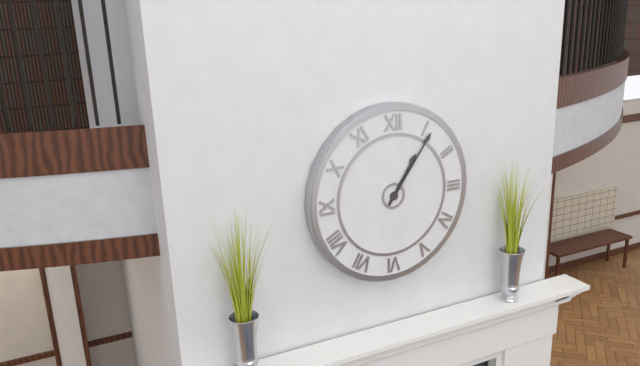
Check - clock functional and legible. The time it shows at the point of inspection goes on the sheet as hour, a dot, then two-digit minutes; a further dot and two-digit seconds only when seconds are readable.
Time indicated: 1.06
